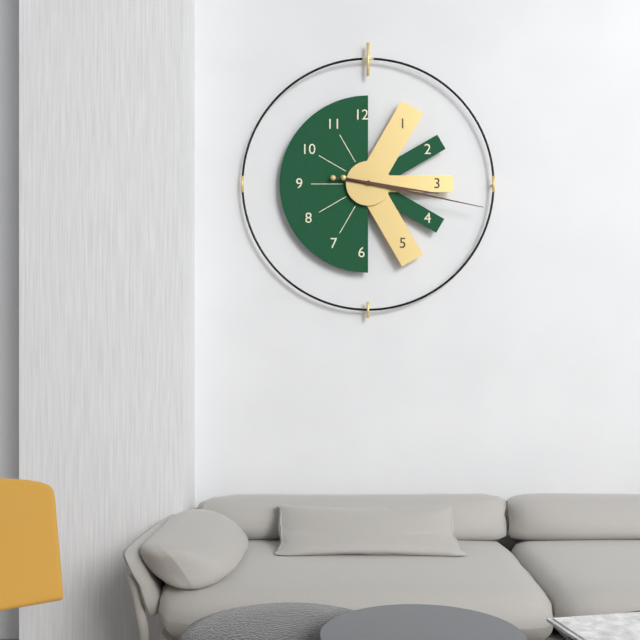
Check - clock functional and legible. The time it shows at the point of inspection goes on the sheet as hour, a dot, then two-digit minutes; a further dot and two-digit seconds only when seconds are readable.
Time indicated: 3.17
